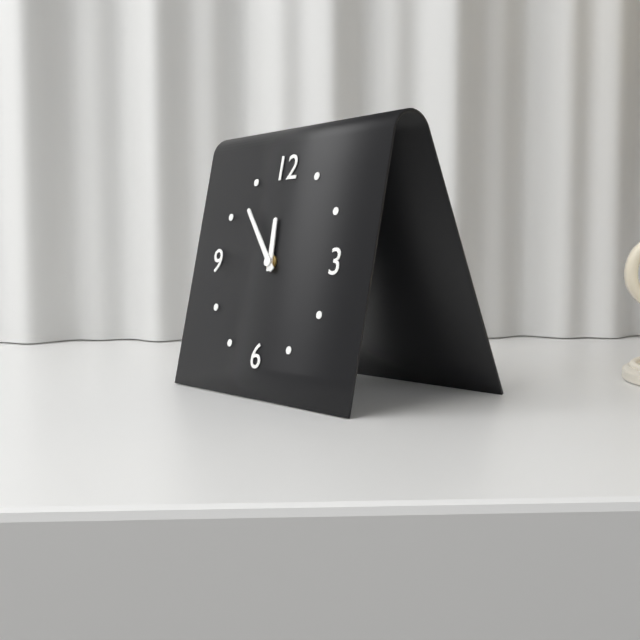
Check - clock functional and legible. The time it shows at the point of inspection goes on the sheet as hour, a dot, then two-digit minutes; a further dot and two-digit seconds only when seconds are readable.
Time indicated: 11.53
